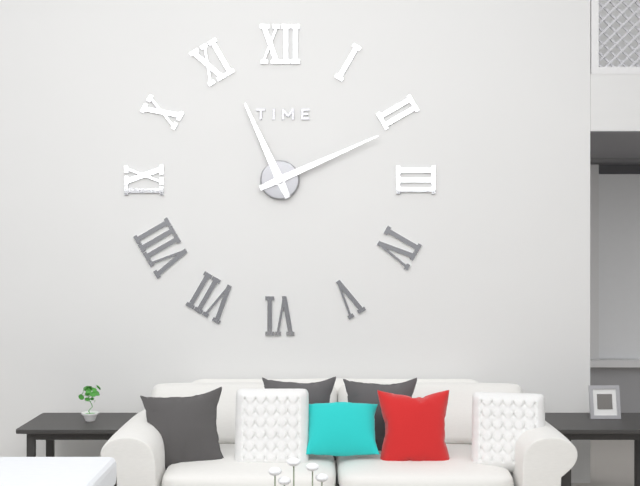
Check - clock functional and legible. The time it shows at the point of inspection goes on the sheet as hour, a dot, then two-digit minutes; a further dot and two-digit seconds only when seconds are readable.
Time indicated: 11.11
